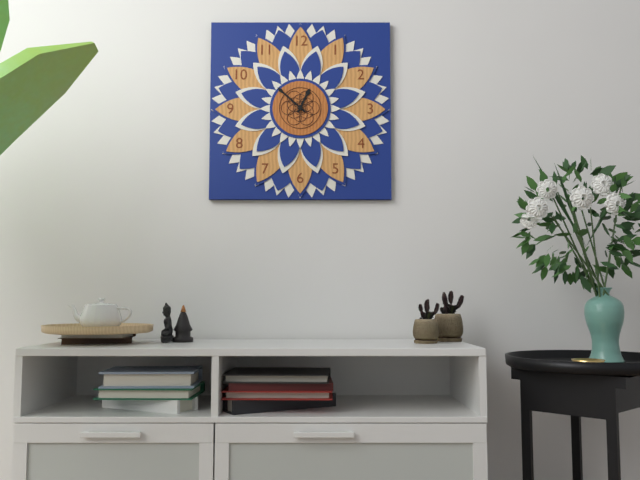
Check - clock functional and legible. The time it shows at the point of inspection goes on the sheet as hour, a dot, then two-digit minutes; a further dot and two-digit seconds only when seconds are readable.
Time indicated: 12.52
